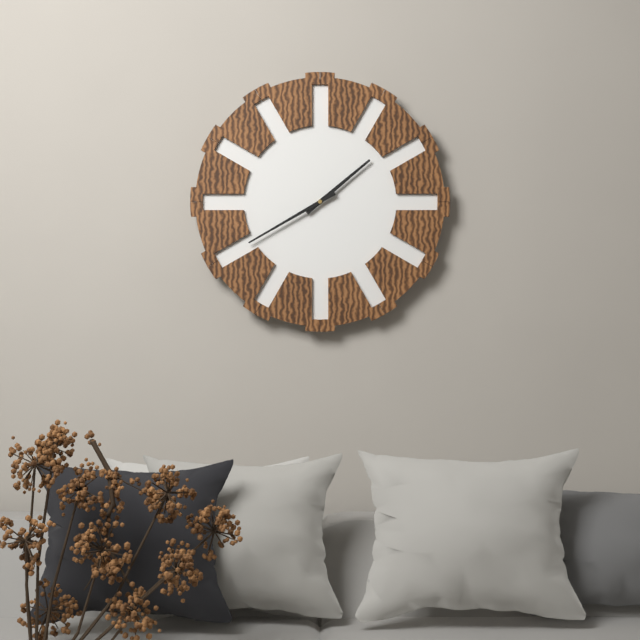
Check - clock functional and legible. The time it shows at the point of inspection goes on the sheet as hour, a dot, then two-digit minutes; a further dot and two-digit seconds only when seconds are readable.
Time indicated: 1.40
